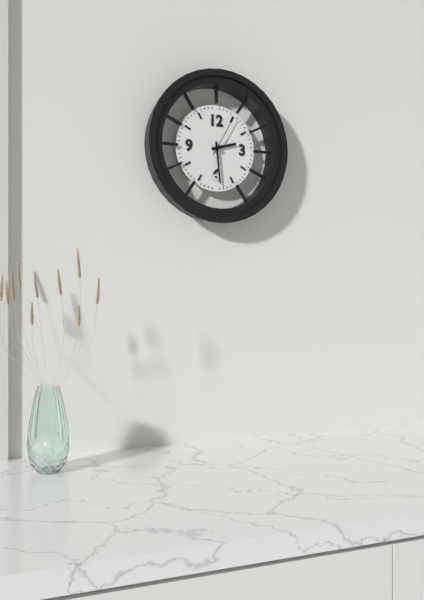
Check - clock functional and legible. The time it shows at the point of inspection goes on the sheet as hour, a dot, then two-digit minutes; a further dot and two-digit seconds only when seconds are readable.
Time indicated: 2.29
